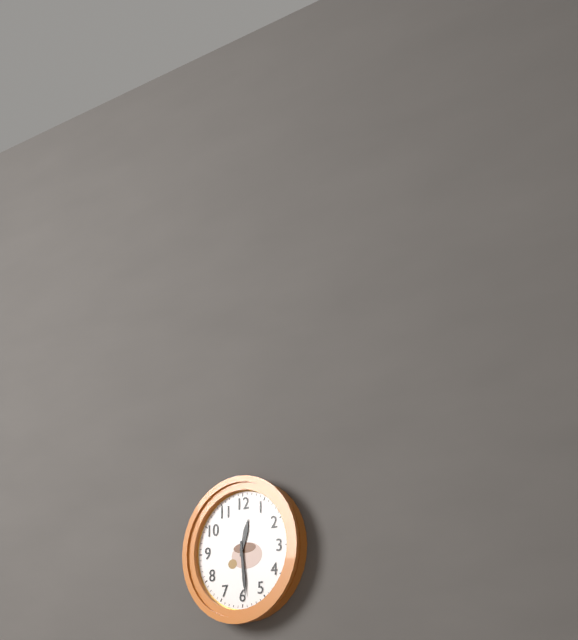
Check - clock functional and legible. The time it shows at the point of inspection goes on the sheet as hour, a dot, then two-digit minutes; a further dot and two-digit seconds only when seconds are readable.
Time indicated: 12.29
